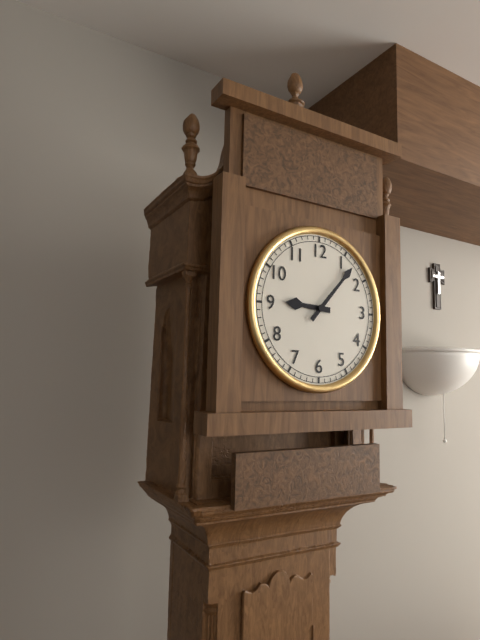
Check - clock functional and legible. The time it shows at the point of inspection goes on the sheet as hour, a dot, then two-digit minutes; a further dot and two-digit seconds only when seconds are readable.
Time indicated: 9.07
